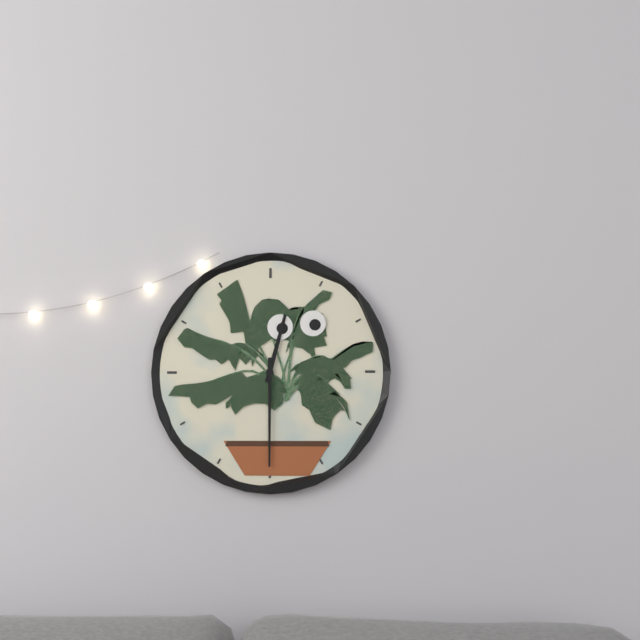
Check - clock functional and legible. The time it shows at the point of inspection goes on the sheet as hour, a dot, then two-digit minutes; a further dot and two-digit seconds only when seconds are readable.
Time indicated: 12.30
